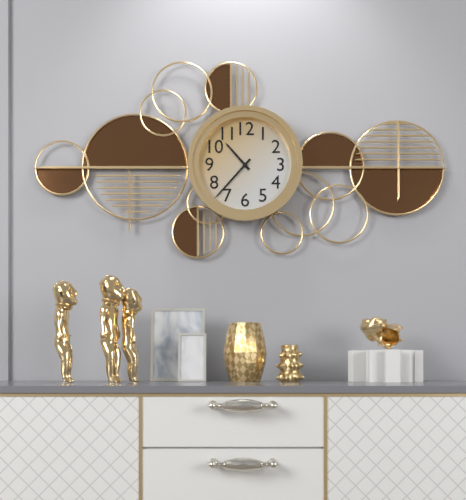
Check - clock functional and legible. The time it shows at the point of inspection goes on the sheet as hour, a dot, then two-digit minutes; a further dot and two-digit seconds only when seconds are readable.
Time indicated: 10.37
